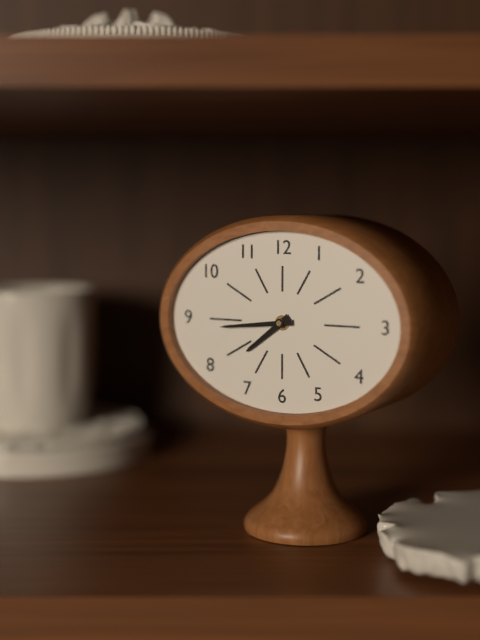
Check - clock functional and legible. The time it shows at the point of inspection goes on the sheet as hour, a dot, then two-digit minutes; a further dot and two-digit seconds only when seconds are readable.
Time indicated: 7.44
